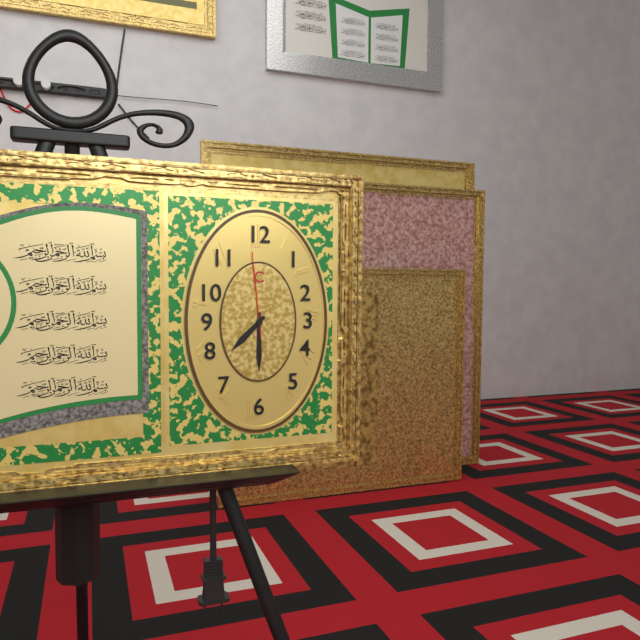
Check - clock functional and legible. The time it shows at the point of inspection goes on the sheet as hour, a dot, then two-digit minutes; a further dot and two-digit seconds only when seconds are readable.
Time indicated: 7.30.59
